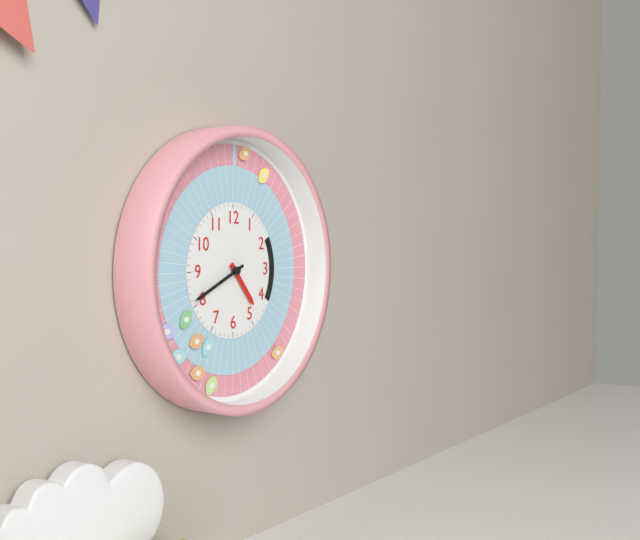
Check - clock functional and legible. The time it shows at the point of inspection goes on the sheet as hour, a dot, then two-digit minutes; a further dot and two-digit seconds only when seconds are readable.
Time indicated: 4.41
